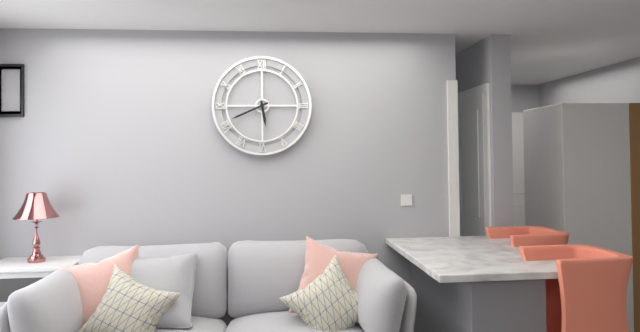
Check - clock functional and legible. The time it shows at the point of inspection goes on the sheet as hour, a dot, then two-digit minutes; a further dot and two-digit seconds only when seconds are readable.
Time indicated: 5.41
